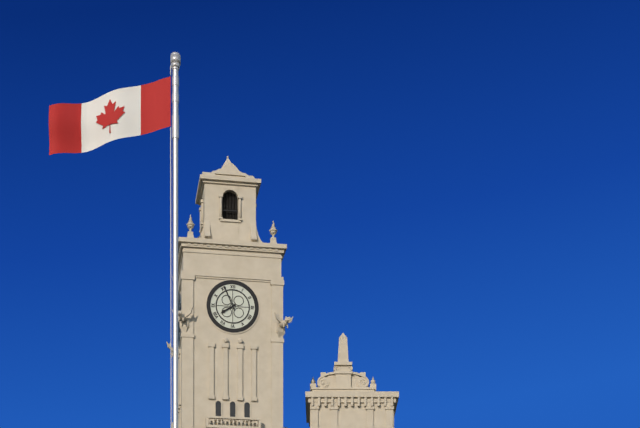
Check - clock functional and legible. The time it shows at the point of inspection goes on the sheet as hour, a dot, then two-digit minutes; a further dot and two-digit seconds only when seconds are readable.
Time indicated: 7.56
